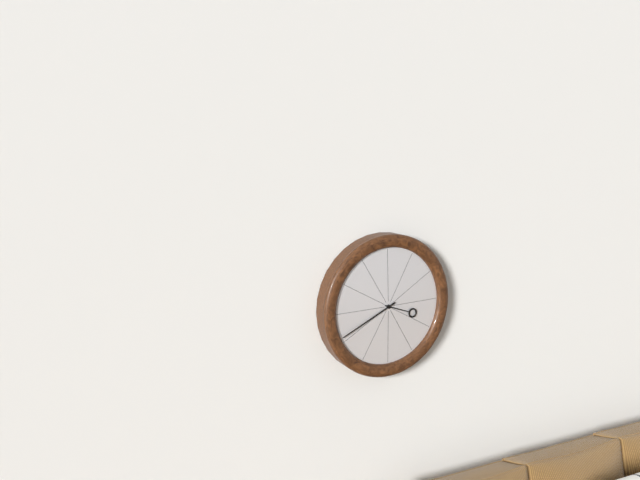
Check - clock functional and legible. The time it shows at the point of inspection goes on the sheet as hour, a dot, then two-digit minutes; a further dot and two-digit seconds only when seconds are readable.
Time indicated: 3.41
